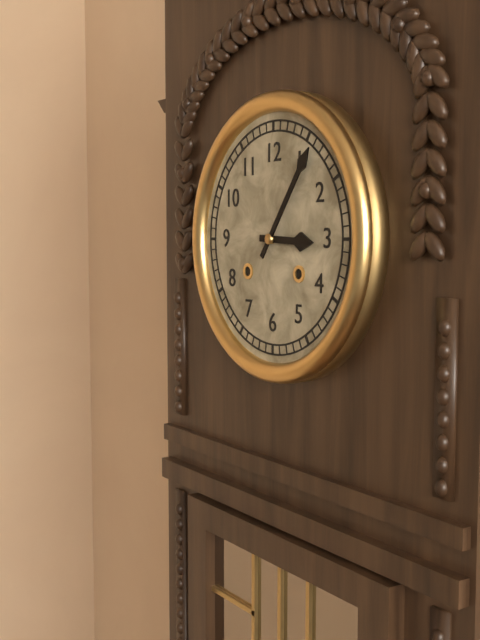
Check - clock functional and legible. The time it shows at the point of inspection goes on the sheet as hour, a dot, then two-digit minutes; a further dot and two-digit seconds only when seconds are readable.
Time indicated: 3.06
